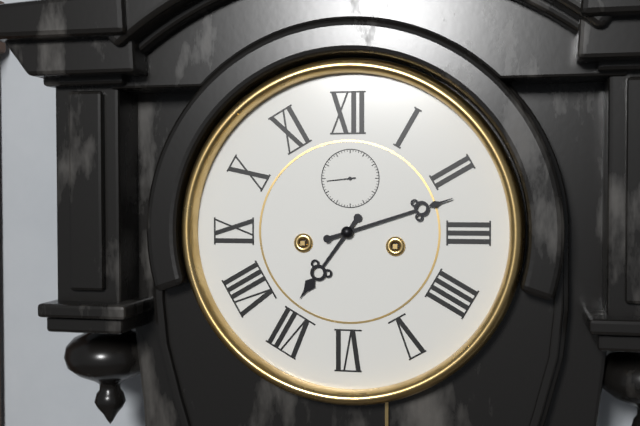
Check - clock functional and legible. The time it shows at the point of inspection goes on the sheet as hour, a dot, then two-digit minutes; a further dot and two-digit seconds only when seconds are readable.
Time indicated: 7.12
